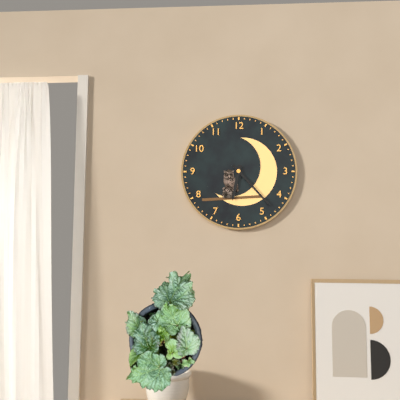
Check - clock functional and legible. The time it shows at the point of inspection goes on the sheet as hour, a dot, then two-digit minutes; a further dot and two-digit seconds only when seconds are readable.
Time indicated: 6.23
